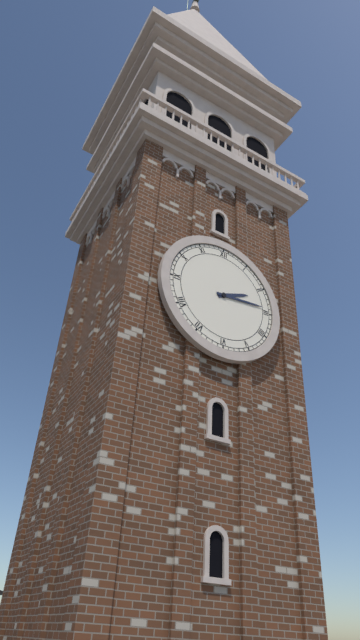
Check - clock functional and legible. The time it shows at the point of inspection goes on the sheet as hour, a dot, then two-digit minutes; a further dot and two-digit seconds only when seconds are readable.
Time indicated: 2.14
